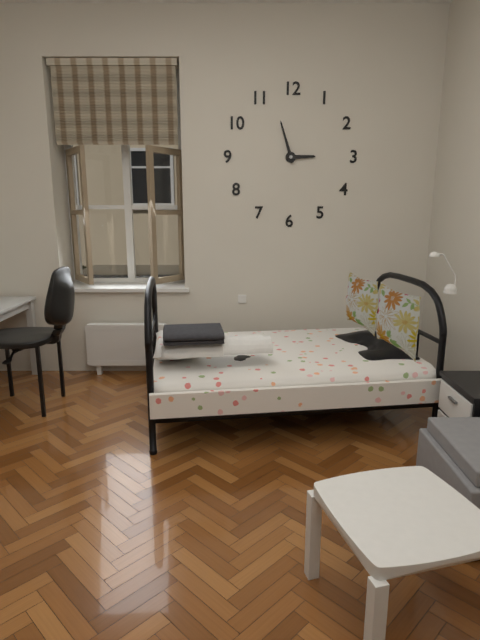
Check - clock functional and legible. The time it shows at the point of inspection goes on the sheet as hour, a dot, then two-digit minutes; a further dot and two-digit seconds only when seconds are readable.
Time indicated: 2.57
